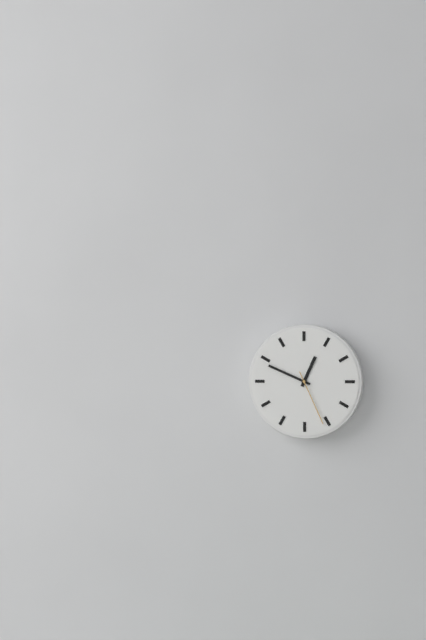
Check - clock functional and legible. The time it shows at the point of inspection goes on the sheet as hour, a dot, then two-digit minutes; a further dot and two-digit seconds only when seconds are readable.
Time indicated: 12.49.26
